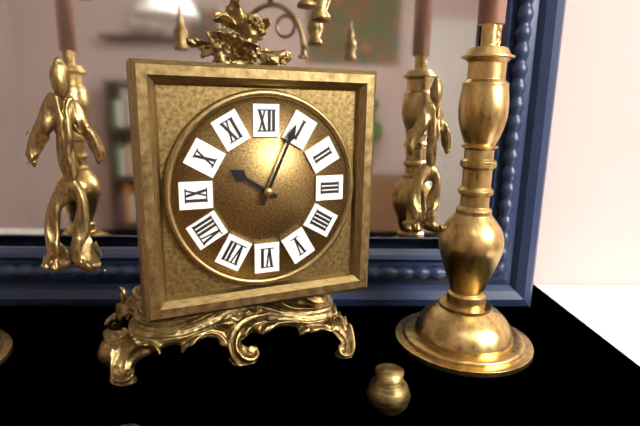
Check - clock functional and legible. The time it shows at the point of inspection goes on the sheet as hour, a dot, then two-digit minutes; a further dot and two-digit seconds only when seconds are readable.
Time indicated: 10.04
